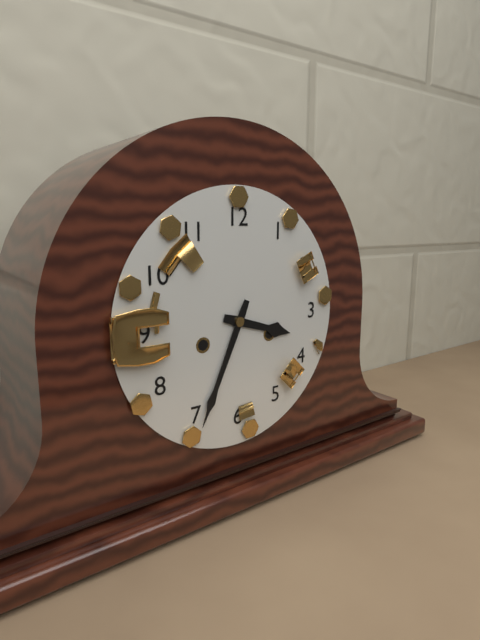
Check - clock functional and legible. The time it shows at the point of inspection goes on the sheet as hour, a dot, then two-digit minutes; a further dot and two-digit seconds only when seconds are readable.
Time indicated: 3.34
